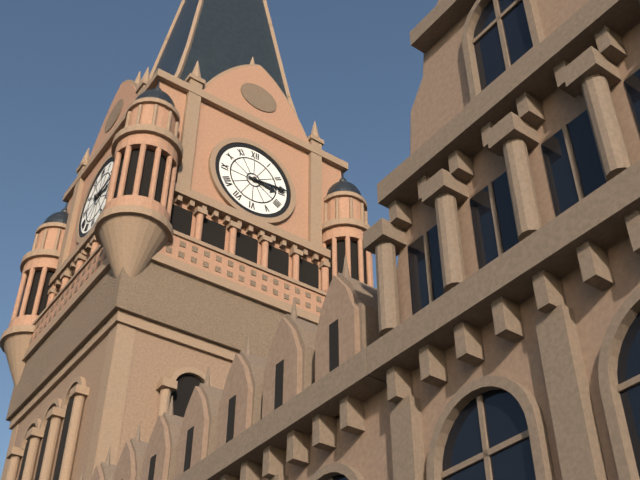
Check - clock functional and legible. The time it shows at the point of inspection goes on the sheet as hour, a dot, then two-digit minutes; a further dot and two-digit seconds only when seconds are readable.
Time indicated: 3.14
